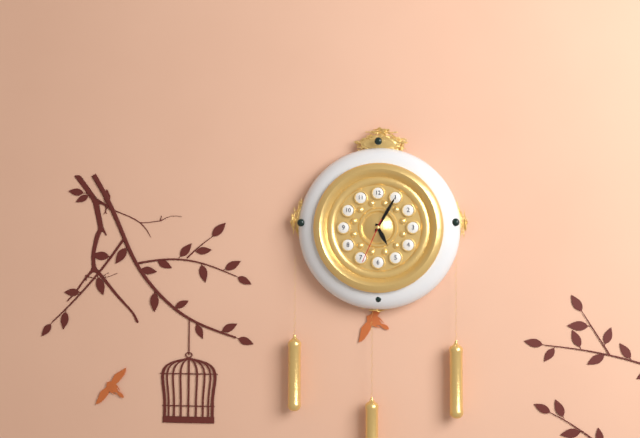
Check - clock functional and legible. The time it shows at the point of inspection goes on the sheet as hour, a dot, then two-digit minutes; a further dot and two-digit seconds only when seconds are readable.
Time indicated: 5.05
